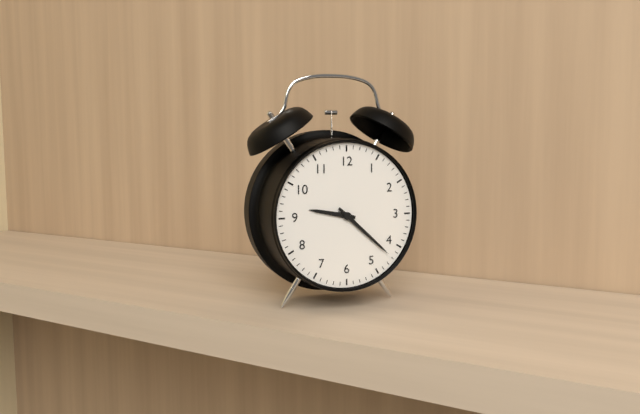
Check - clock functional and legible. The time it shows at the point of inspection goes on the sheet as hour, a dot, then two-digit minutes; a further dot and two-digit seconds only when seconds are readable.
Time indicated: 9.22
